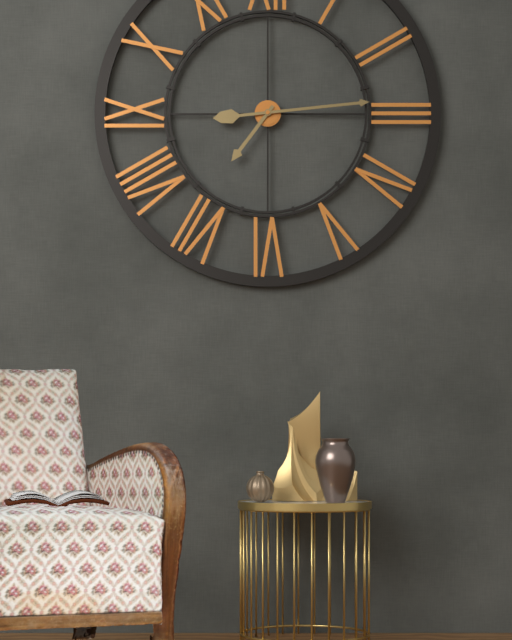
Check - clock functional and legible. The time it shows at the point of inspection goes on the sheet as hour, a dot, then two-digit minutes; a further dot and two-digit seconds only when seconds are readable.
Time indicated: 7.14
